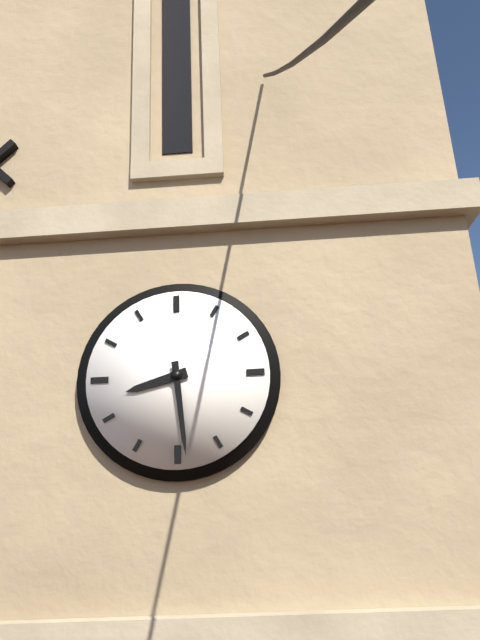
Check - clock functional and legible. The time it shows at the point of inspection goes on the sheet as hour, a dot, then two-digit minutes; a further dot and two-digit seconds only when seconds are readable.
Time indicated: 8.29
